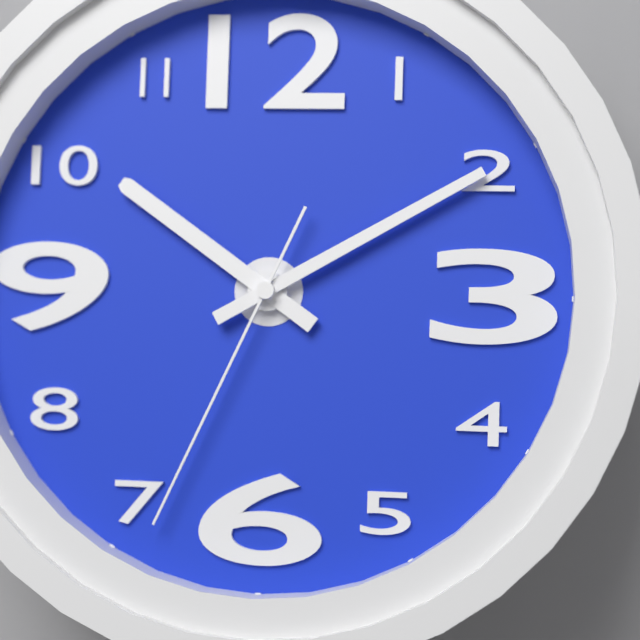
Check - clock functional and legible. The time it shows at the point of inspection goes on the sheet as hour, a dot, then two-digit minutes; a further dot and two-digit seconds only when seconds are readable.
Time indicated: 10.10.34
